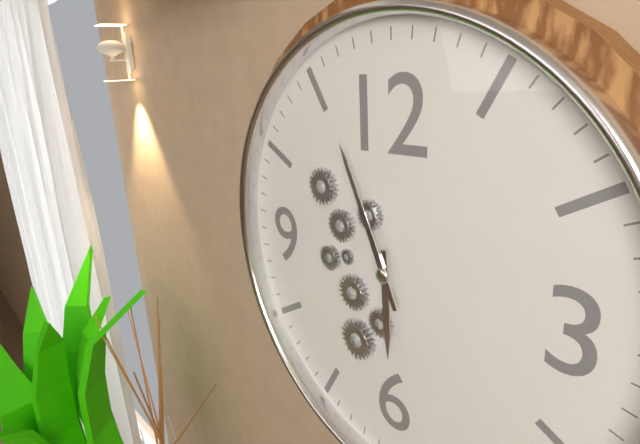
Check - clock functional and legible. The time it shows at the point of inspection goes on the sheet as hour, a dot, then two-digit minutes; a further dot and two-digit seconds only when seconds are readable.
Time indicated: 5.56
